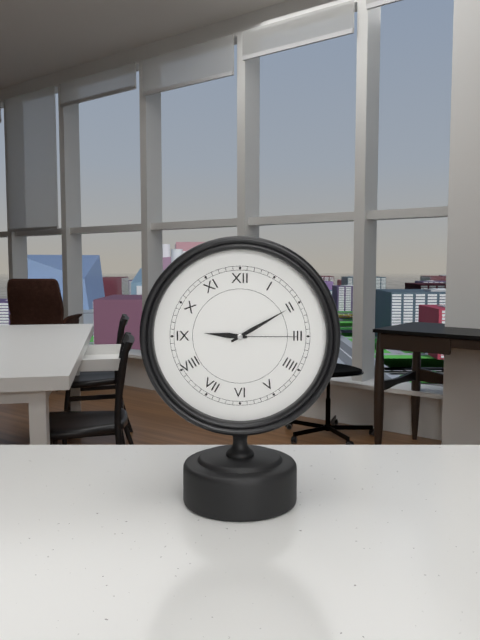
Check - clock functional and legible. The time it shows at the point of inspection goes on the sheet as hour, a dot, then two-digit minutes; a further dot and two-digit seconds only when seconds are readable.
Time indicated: 9.10.15
